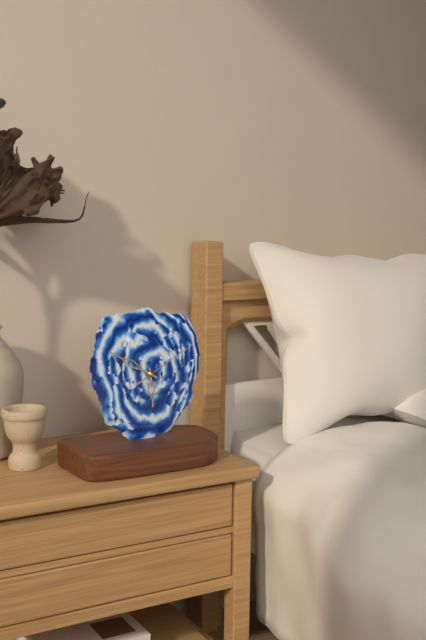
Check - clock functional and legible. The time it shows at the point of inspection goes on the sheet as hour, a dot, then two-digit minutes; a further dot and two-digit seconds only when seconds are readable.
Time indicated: 5.50.10
